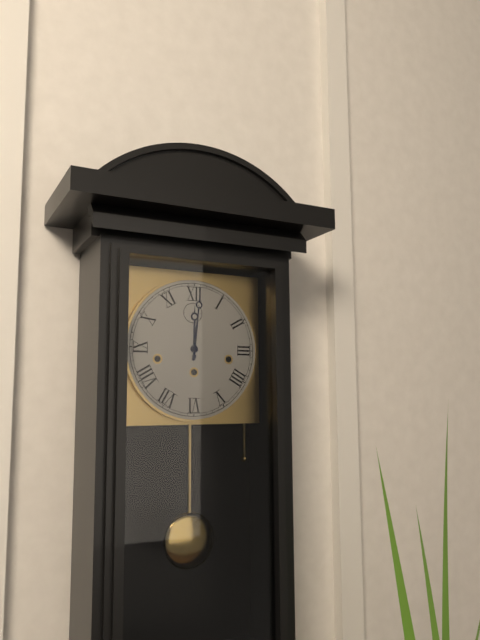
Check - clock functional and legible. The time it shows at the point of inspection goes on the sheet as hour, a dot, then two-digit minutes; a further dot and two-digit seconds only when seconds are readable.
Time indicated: 12.01
